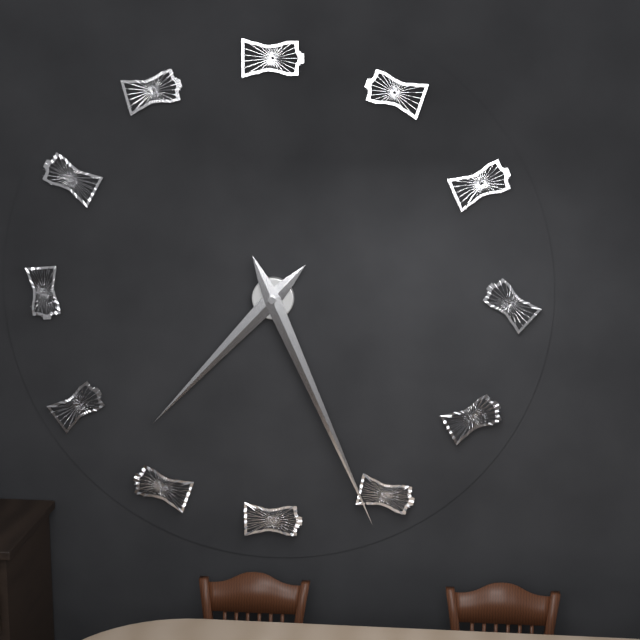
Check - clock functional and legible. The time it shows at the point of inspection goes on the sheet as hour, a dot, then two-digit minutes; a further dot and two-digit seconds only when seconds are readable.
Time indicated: 7.26
